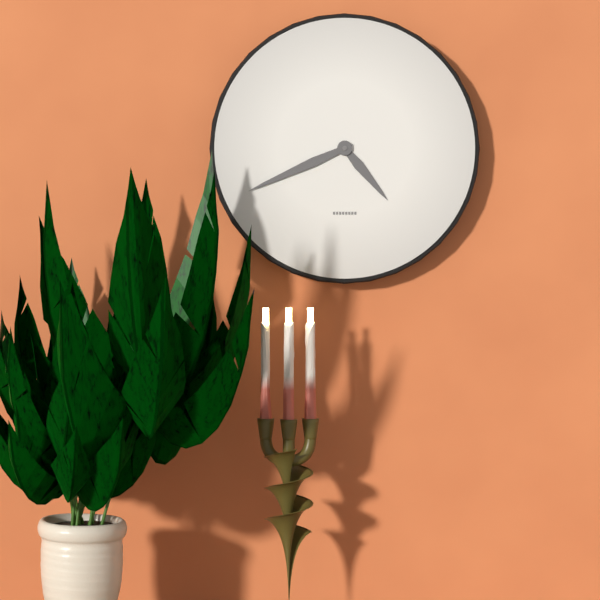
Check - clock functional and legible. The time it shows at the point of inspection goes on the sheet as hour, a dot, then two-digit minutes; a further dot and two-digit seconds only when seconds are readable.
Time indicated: 4.41
